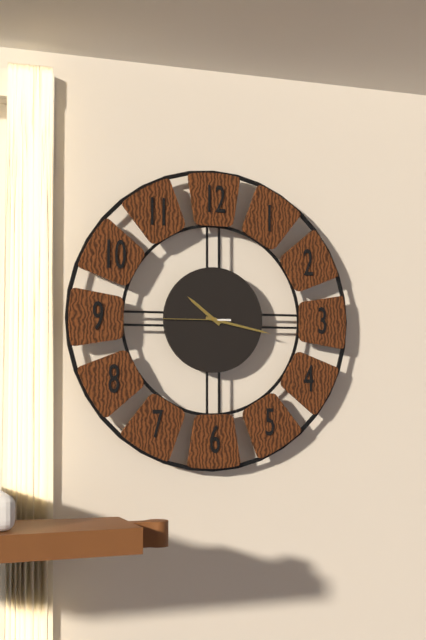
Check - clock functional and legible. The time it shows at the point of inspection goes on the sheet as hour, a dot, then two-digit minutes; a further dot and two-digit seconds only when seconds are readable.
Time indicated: 10.17.45
